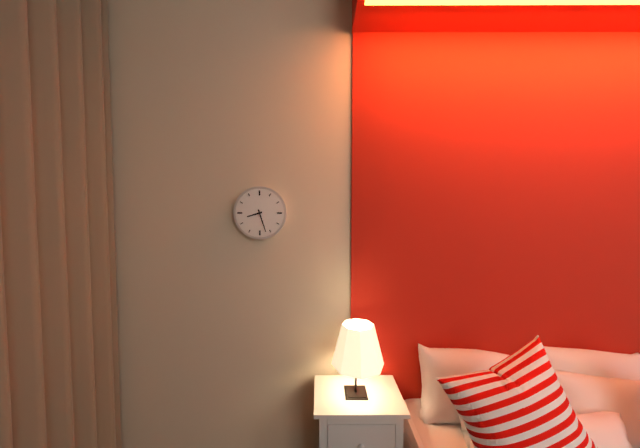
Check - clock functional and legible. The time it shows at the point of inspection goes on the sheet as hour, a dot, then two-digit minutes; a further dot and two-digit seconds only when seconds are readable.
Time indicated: 8.27
